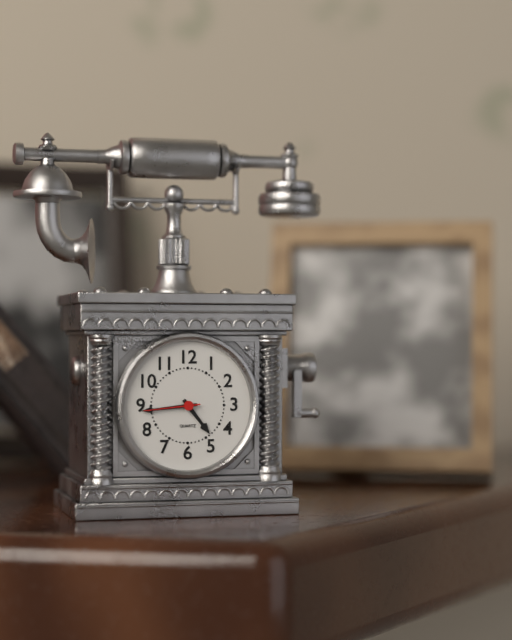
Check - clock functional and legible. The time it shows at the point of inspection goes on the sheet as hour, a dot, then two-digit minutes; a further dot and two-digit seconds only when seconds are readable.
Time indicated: 4.44.44
